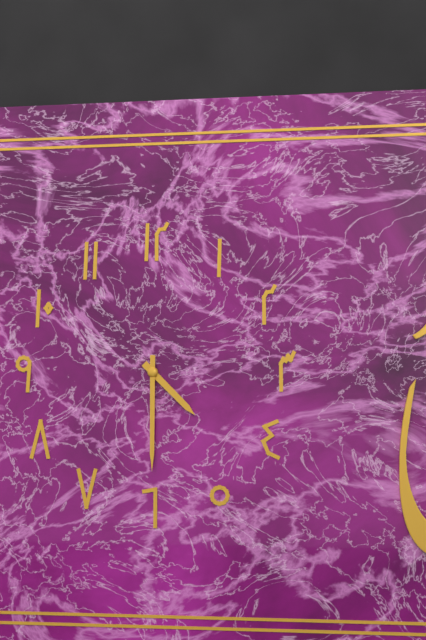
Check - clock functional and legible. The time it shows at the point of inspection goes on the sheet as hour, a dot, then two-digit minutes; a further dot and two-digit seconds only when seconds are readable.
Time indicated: 4.30
